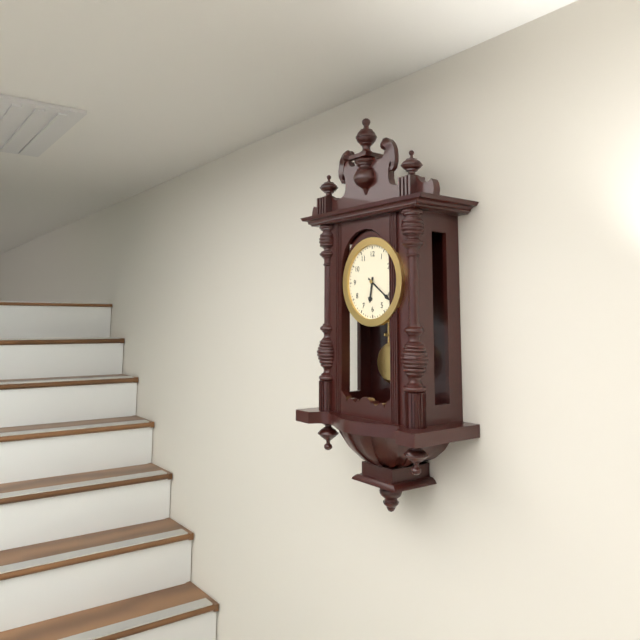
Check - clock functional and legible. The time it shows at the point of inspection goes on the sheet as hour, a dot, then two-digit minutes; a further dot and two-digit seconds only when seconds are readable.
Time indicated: 6.21
